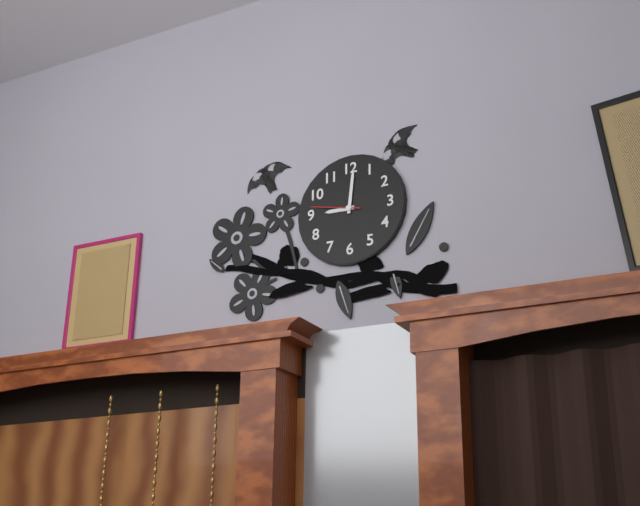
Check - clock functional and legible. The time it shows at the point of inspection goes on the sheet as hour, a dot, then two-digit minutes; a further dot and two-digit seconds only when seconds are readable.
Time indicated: 9.01.47
